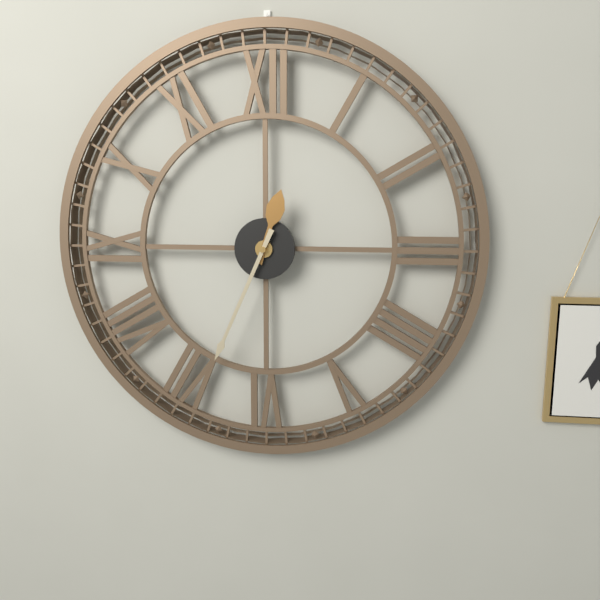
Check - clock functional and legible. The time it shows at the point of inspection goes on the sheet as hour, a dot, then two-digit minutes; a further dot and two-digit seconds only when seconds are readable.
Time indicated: 12.34
